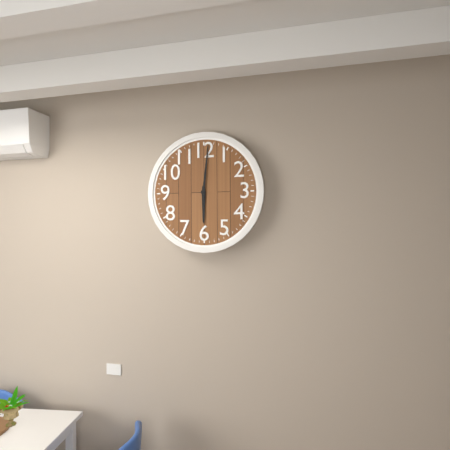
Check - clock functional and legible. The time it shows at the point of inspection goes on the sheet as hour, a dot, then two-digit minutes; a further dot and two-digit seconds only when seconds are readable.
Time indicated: 6.01
